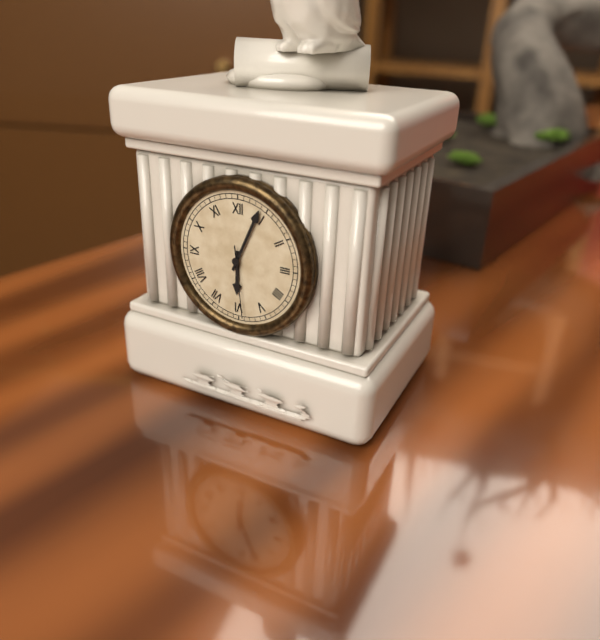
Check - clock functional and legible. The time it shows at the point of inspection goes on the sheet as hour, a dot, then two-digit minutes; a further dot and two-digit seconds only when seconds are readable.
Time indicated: 6.04.29
